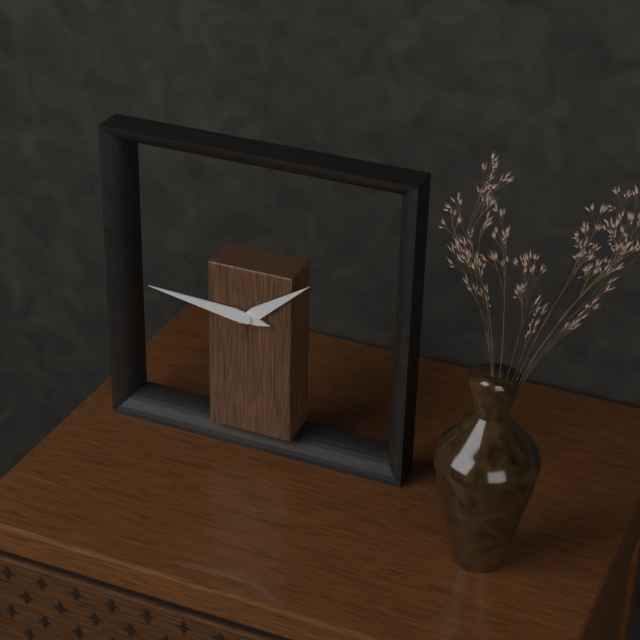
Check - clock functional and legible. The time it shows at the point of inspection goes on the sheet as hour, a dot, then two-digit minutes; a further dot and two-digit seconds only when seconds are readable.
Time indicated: 1.46
